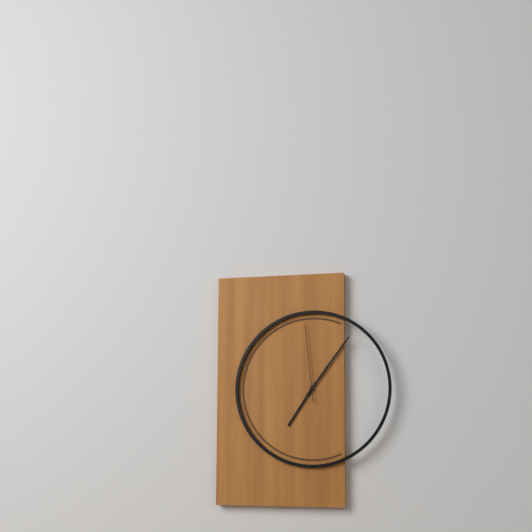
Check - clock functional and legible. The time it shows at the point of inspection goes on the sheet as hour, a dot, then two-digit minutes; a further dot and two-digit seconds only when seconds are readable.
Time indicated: 7.06.59
